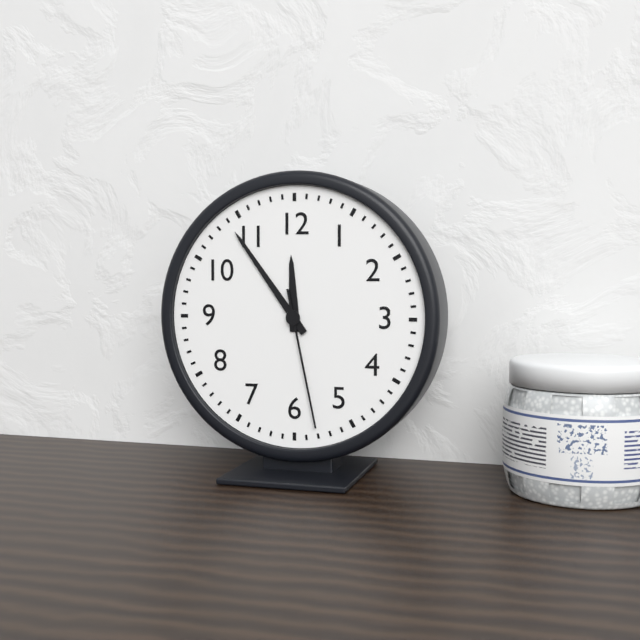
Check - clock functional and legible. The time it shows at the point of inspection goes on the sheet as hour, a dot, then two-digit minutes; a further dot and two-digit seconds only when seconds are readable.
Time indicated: 11.54.28
